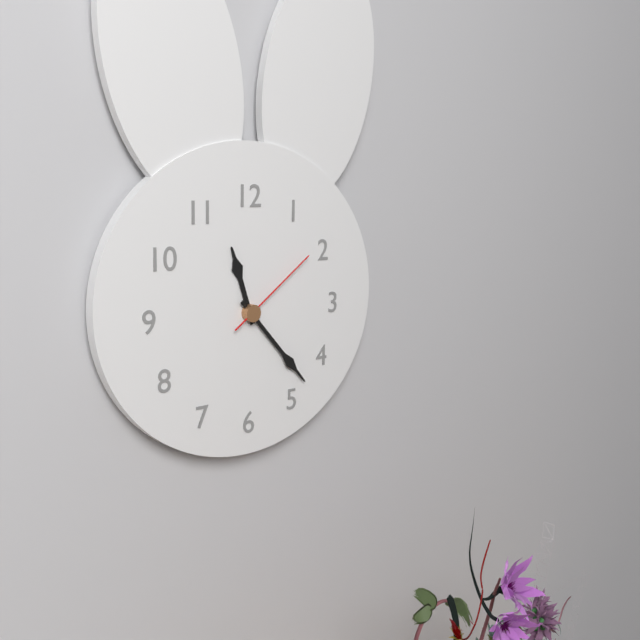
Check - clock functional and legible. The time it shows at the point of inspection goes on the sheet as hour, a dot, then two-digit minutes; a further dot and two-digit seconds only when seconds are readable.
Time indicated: 11.23.09
